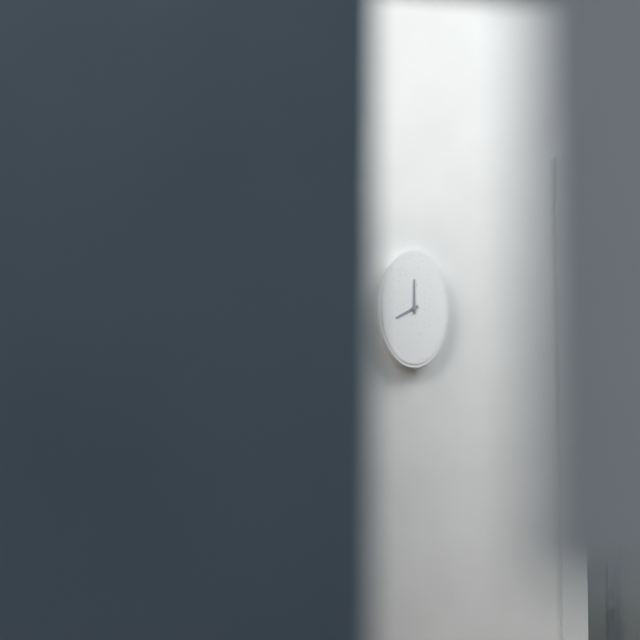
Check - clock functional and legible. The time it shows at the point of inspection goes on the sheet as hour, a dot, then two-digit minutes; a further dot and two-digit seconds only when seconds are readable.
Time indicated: 8.00
